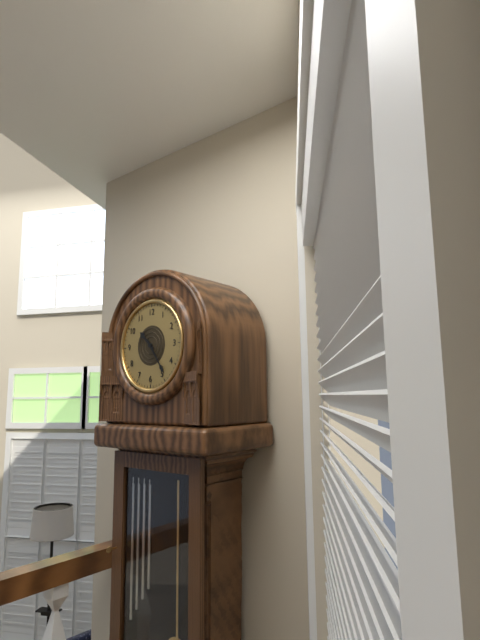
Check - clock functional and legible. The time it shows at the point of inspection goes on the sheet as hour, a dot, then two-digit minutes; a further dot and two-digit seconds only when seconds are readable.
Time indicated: 10.24
